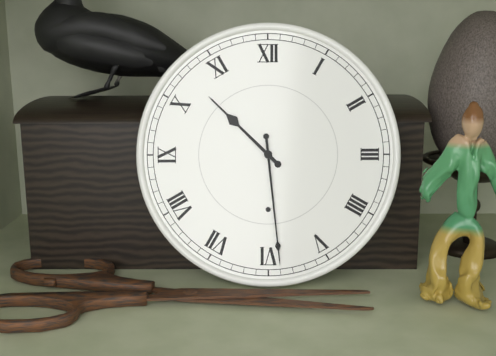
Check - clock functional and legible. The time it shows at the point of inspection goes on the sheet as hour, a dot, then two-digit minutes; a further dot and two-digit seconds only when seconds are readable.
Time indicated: 10.29
